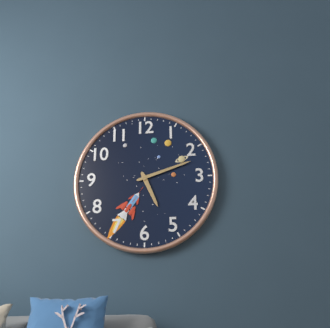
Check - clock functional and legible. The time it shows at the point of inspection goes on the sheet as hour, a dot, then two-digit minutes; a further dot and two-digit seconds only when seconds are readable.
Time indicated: 5.12
